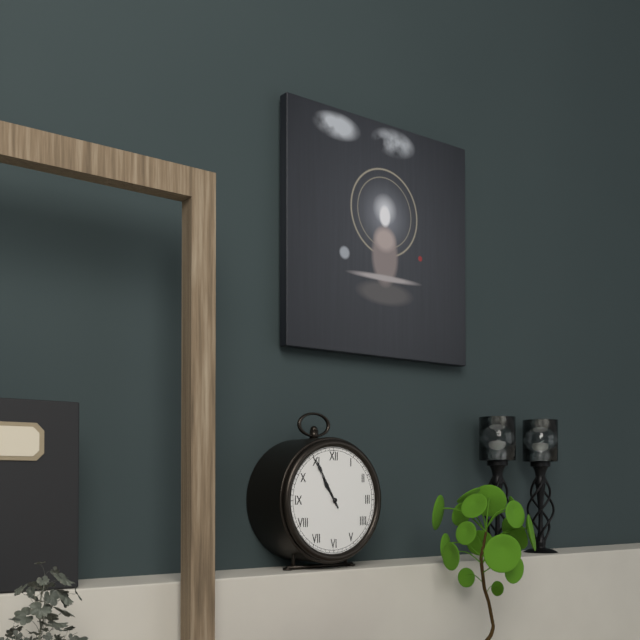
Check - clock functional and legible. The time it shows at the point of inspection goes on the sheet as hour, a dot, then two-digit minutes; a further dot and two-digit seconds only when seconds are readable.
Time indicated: 10.55
